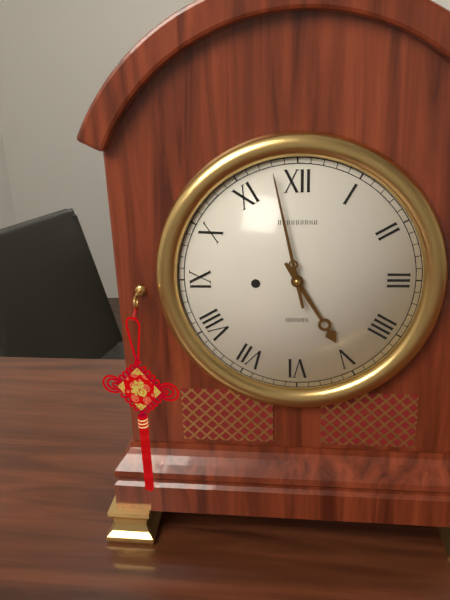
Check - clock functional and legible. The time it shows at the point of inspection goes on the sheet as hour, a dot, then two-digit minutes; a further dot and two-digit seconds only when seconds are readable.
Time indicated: 4.58
